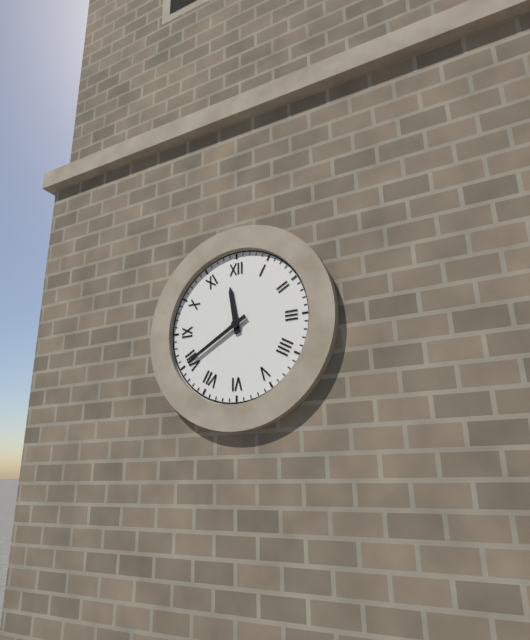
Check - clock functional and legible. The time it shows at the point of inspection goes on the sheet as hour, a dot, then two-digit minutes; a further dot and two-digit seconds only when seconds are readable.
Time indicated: 11.40
